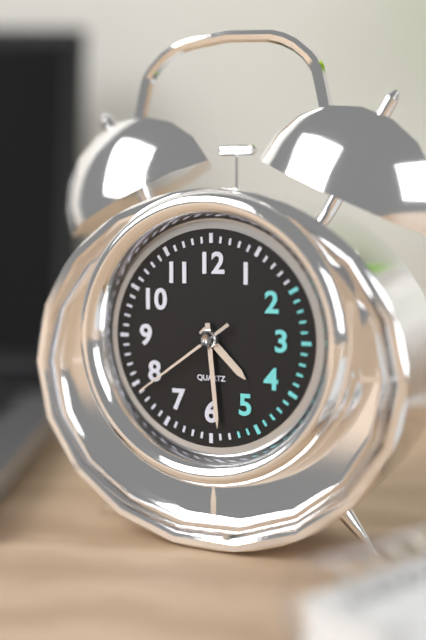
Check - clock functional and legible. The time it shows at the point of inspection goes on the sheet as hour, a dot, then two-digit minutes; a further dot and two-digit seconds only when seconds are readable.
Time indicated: 4.29.39
